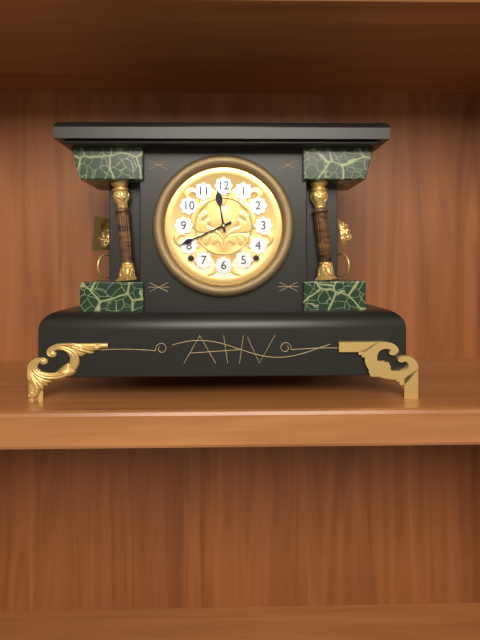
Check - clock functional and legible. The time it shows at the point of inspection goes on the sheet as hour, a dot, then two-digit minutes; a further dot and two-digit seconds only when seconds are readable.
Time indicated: 11.41
